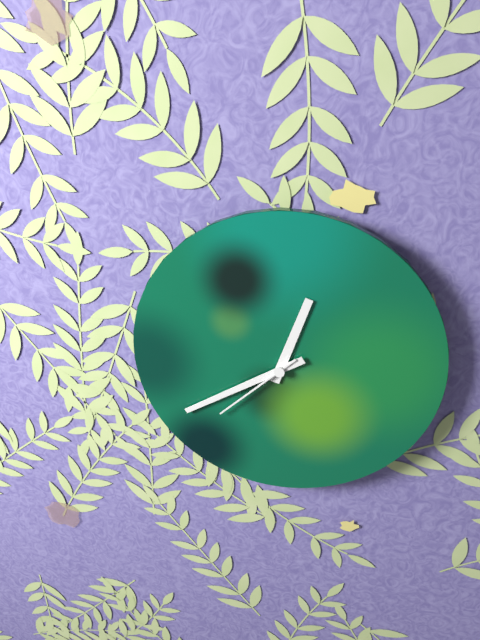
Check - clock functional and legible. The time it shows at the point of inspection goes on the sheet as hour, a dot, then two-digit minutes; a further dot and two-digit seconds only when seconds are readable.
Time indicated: 12.40.38
